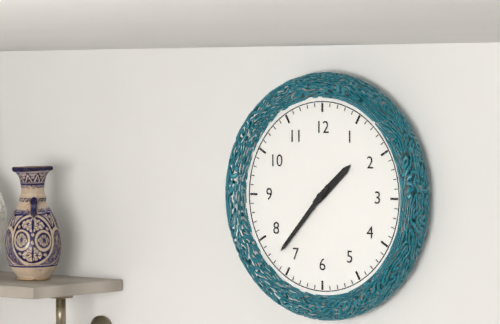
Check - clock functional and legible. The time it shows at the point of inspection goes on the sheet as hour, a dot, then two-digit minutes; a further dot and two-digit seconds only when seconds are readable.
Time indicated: 1.37
